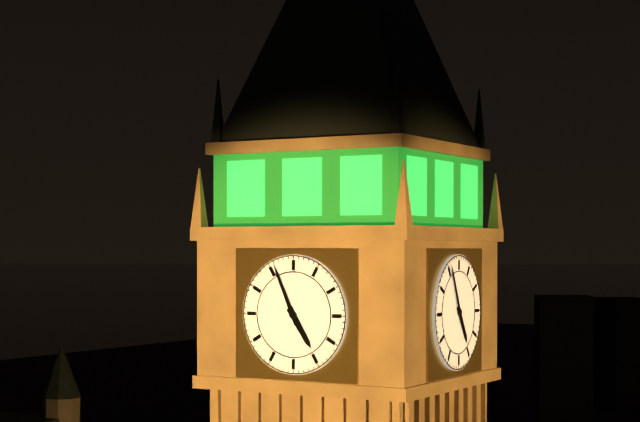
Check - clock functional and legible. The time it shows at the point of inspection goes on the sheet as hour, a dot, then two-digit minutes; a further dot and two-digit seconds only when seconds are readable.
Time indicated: 4.56
